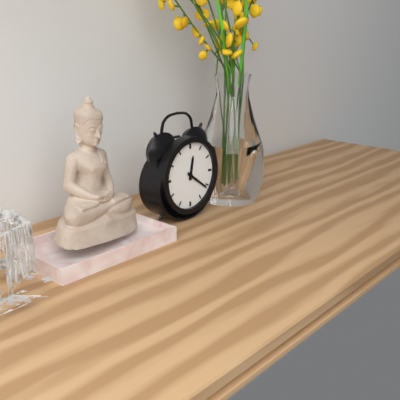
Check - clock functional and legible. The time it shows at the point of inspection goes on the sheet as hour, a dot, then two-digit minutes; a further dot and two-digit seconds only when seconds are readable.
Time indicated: 12.21
